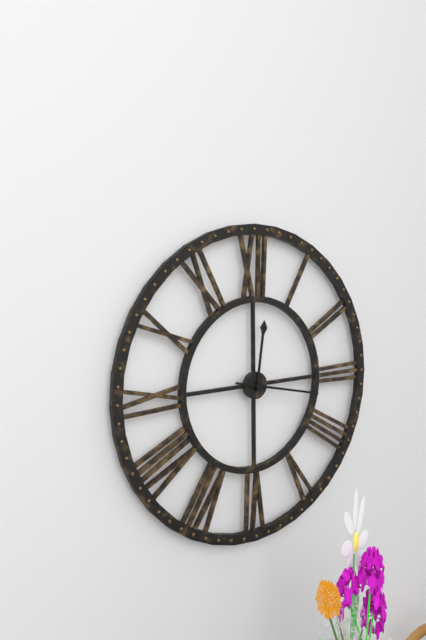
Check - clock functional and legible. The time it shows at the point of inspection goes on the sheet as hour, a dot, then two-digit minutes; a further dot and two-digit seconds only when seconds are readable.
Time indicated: 12.17
